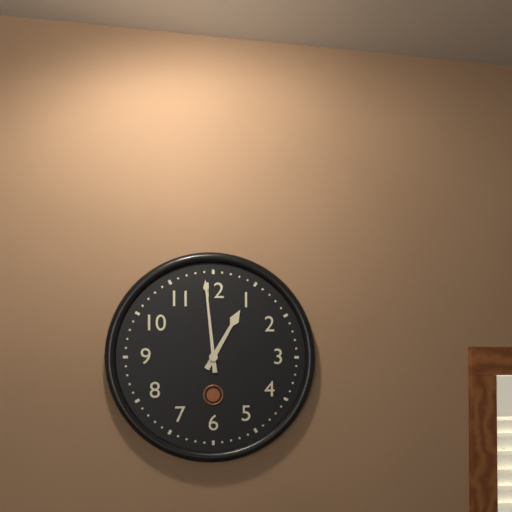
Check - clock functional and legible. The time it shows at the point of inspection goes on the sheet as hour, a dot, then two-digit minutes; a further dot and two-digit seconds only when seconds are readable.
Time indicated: 12.59
